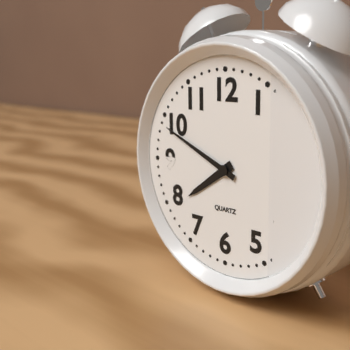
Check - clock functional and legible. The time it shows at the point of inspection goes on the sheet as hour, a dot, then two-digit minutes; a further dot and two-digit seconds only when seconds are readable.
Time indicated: 7.49
